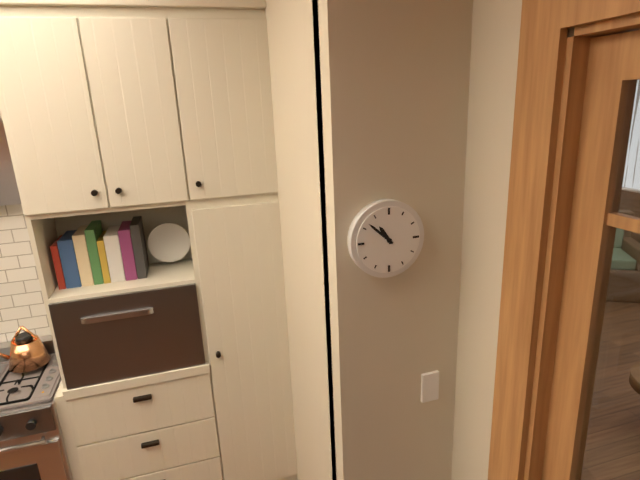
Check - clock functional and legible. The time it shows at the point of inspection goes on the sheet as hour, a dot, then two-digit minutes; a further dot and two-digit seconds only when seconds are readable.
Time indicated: 10.52
